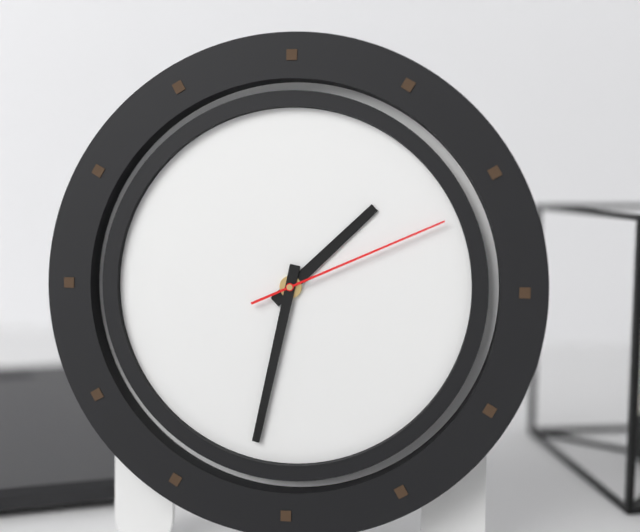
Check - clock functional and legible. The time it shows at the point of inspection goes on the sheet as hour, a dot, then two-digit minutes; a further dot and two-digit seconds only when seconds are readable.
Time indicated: 1.32.11
